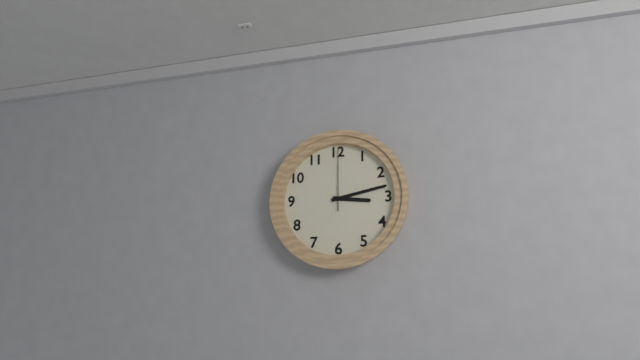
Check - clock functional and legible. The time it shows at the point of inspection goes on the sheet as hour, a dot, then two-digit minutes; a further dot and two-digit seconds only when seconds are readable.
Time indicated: 3.13.00
